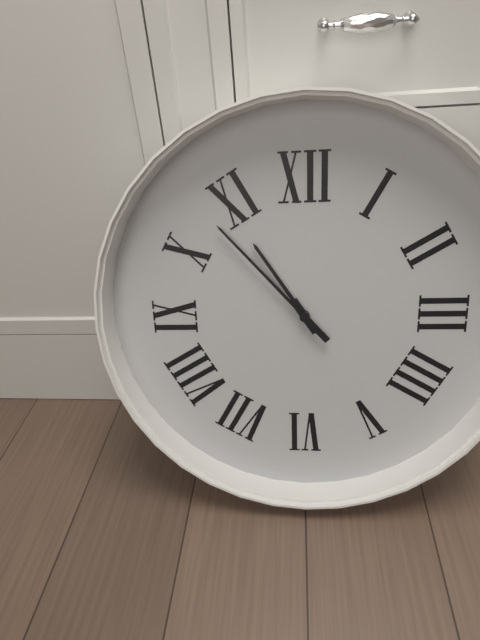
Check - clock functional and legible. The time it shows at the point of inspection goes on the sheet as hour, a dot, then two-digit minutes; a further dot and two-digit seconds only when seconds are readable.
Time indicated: 10.53
